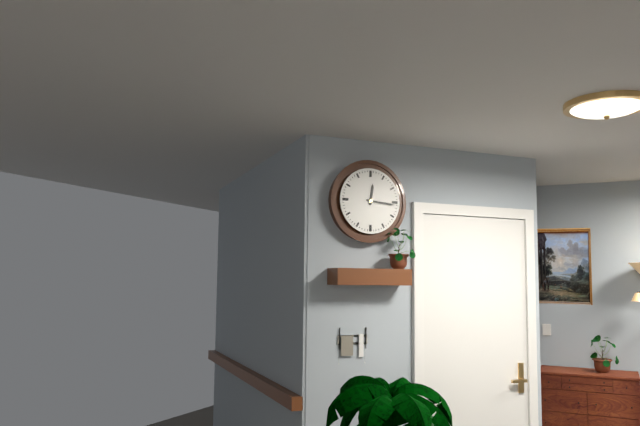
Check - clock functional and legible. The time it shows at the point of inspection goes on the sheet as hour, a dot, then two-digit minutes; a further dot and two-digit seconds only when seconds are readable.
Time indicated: 12.16
